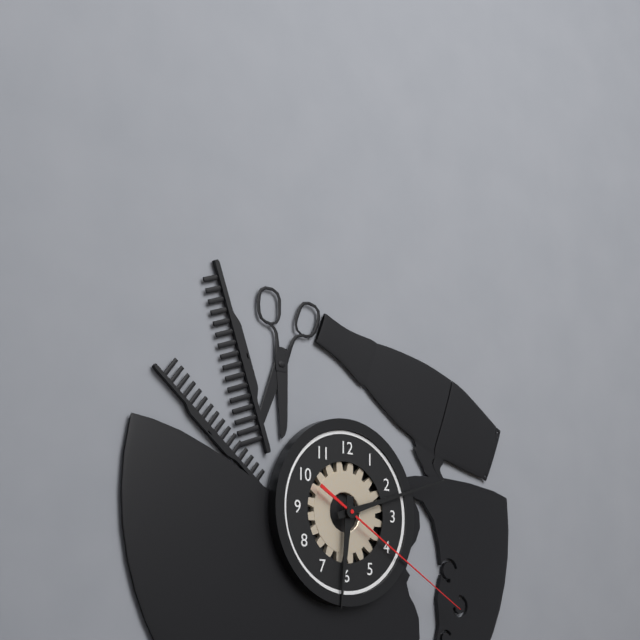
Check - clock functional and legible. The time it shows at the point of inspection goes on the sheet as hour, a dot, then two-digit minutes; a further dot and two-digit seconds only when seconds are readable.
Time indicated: 6.12.20
